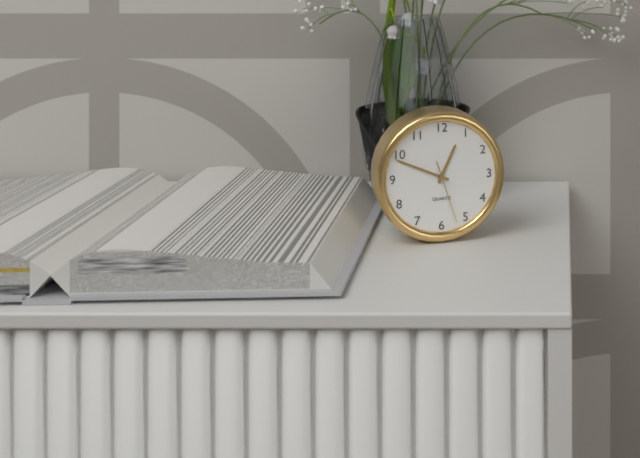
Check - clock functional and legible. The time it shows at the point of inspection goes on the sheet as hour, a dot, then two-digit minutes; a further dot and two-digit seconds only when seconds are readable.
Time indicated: 12.49.27
